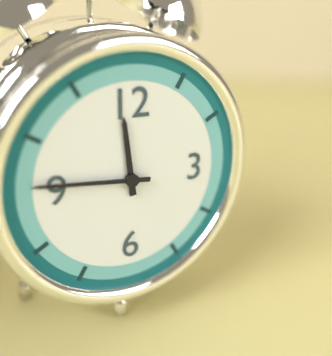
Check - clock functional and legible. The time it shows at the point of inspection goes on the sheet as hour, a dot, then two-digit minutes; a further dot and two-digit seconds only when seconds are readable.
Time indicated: 11.46
